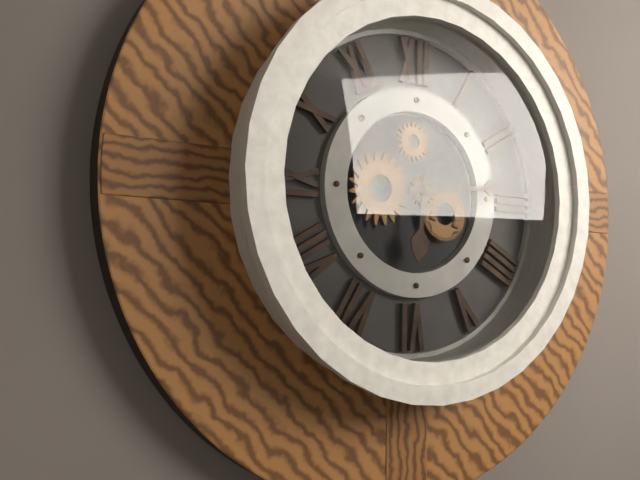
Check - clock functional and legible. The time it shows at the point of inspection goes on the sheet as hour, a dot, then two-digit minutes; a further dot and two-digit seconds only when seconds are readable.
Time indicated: 6.14
